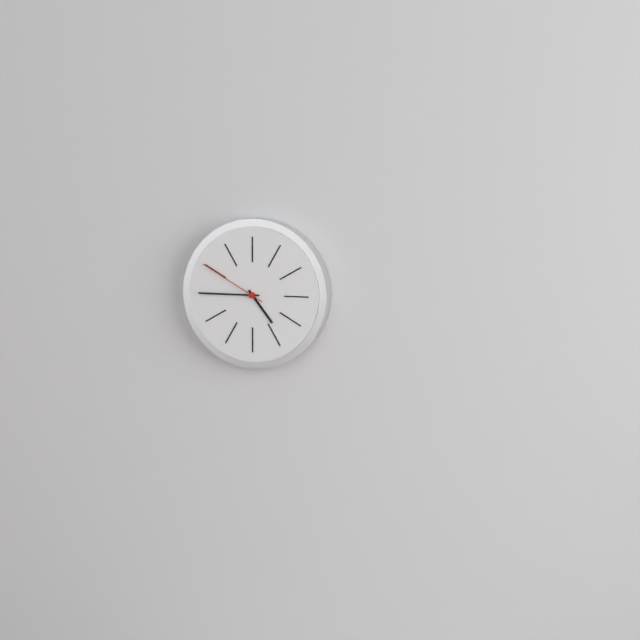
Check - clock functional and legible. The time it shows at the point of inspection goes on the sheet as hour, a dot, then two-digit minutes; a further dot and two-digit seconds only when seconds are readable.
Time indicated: 4.45.50
